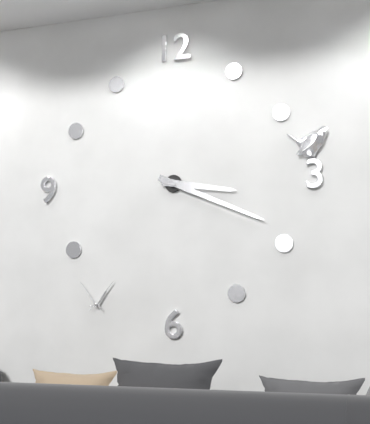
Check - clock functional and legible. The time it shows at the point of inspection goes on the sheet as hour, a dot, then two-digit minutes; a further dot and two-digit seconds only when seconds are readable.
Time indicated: 3.19
